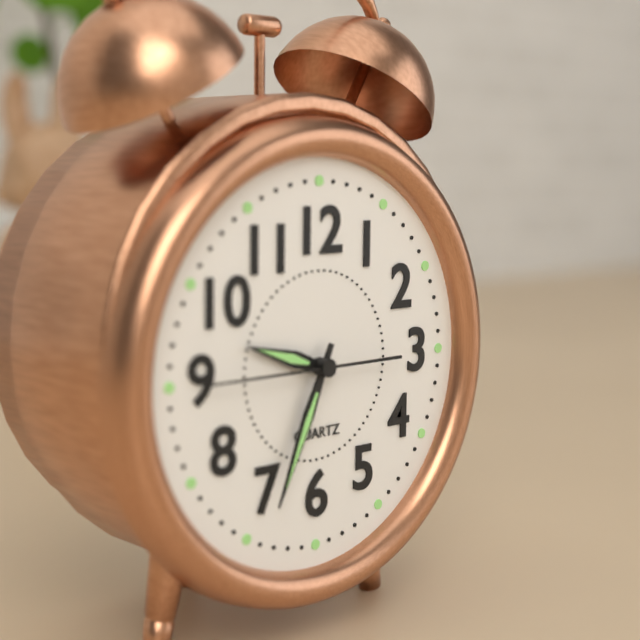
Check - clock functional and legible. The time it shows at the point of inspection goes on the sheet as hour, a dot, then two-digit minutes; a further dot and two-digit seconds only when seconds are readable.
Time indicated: 9.34.45
